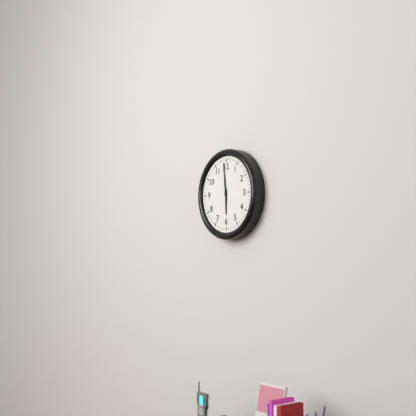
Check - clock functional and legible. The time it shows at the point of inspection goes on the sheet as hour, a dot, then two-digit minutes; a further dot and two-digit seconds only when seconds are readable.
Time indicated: 5.59
